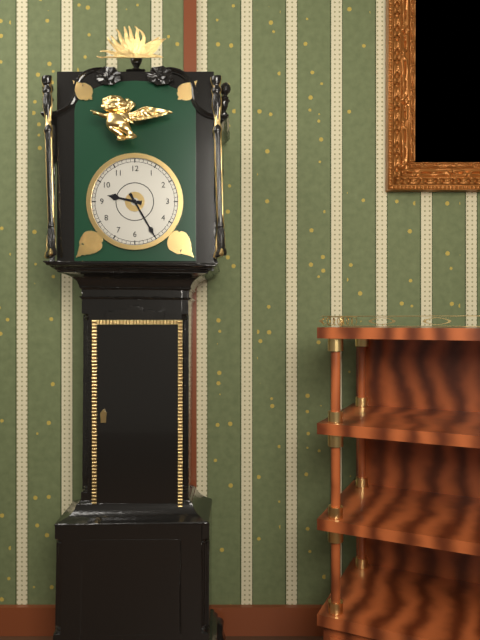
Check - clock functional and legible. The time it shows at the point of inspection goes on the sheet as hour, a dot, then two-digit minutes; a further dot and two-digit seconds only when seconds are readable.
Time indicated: 9.25
